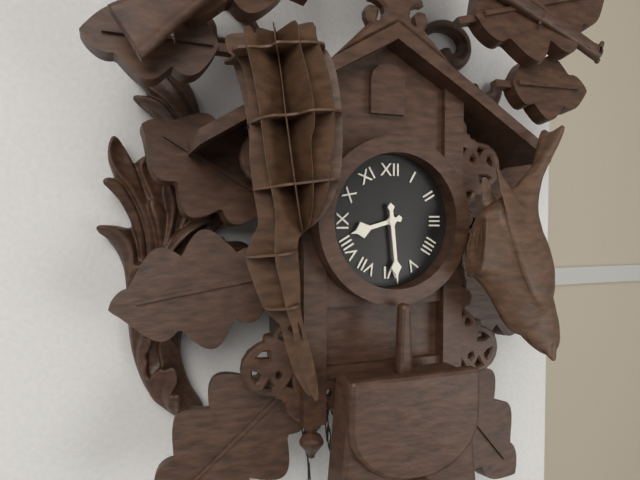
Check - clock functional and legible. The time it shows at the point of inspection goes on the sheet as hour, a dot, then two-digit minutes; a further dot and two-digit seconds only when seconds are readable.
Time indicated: 8.29
